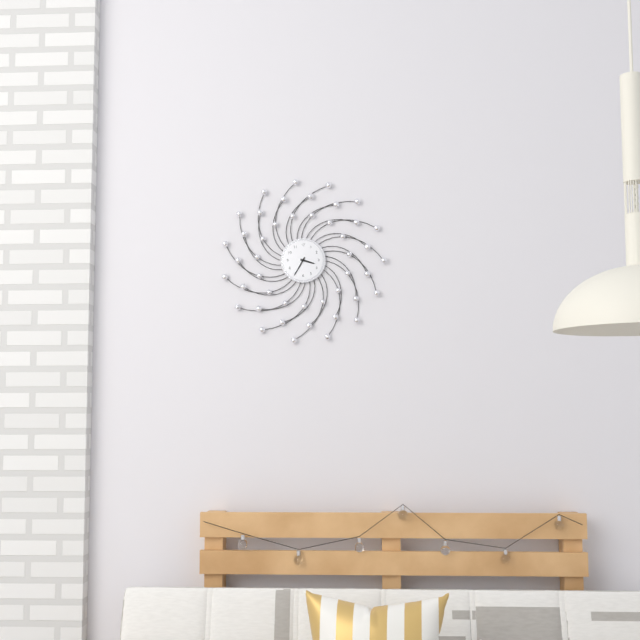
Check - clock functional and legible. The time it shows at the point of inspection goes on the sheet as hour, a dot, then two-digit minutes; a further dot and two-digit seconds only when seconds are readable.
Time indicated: 3.35
